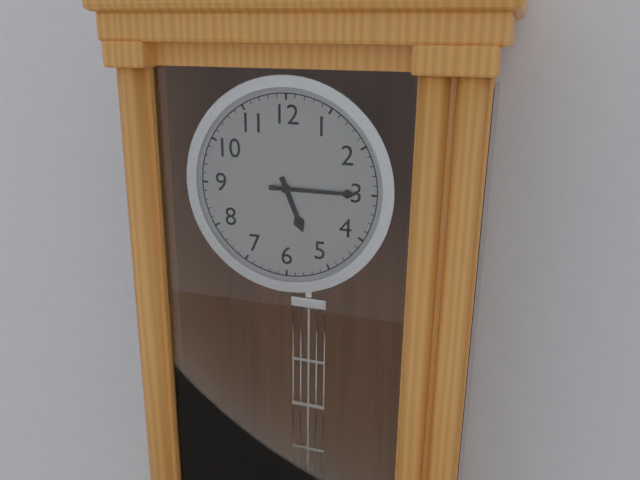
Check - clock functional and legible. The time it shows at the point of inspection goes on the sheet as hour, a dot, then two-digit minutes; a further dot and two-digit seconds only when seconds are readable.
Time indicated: 5.15
